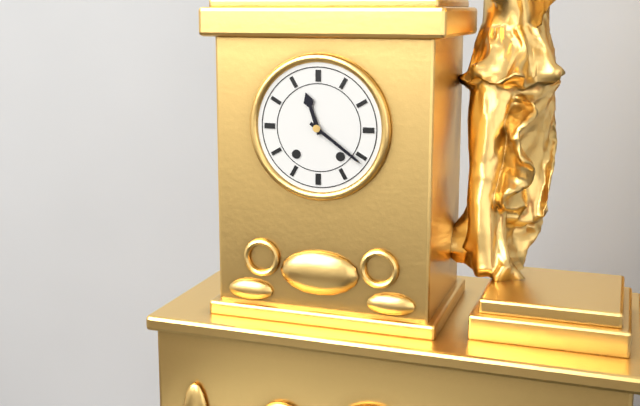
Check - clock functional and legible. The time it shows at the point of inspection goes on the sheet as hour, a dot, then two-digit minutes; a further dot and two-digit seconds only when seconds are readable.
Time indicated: 11.21
